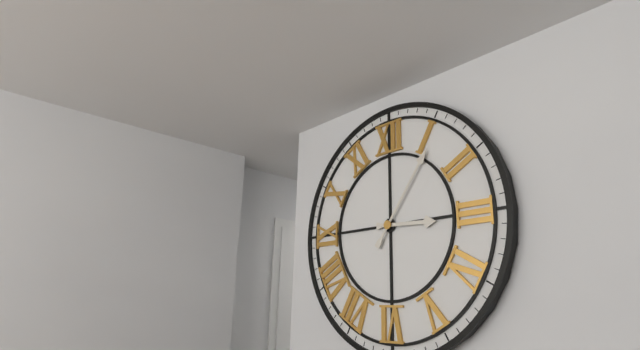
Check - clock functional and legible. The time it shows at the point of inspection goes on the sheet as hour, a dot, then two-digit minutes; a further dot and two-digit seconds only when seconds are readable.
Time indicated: 3.06
